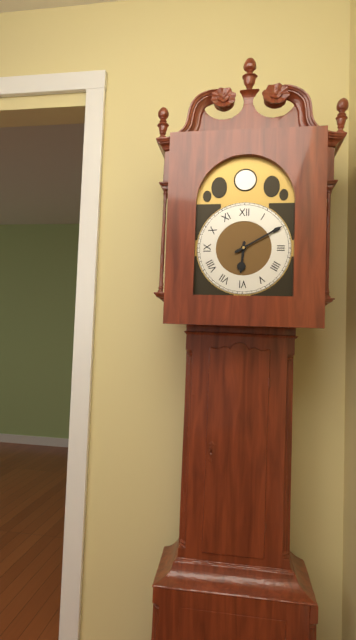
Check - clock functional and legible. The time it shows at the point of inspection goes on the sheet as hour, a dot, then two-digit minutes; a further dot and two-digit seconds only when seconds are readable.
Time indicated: 6.10
